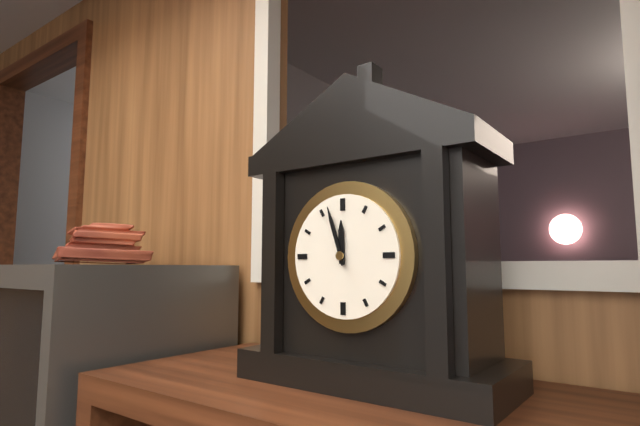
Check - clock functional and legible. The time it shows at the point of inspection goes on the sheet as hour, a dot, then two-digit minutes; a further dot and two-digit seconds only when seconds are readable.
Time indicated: 11.57
